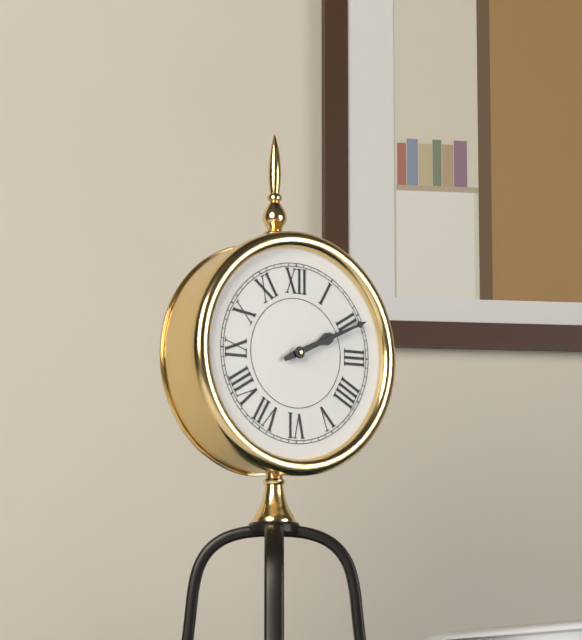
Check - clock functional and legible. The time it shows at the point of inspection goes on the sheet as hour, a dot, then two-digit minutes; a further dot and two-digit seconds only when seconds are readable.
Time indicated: 2.11
